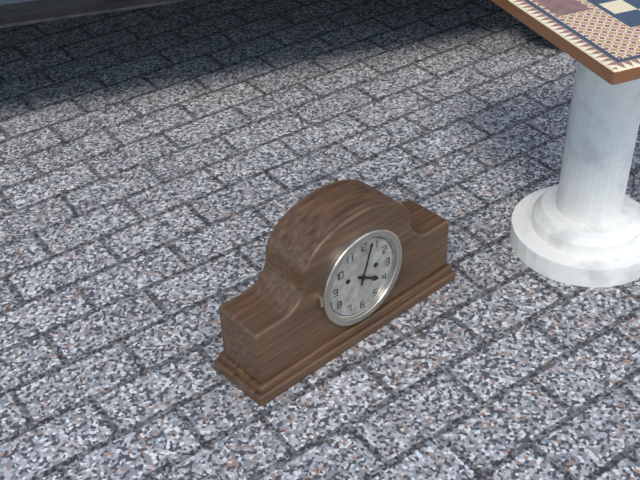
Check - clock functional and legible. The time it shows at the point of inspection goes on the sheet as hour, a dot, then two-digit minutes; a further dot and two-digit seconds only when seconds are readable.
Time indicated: 4.03
